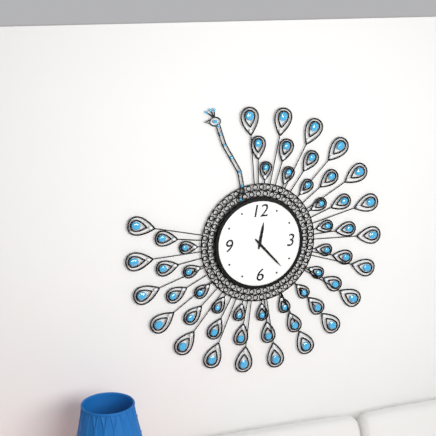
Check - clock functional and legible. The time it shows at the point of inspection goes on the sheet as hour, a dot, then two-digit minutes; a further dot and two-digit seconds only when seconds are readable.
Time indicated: 12.23
